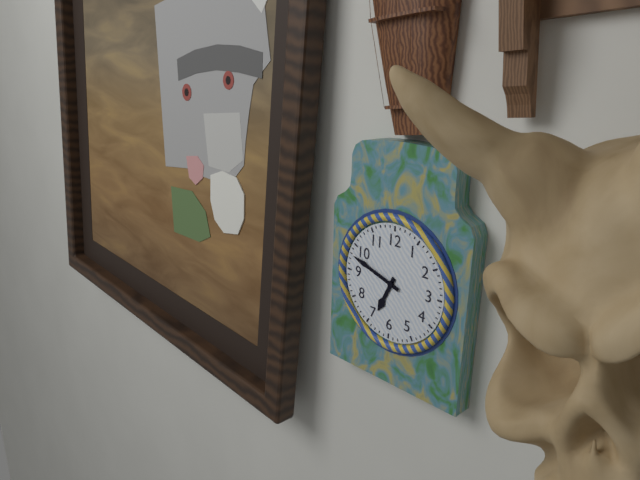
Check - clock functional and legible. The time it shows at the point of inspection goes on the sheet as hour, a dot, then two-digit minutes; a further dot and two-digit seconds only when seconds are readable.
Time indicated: 6.48
